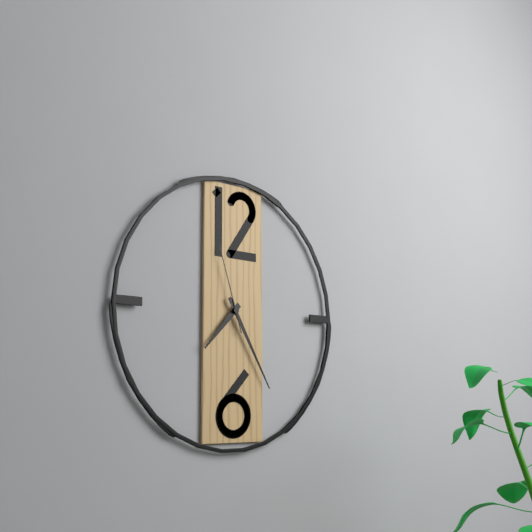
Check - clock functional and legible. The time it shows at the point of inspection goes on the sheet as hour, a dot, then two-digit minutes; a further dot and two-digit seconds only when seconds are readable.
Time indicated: 7.25.57
